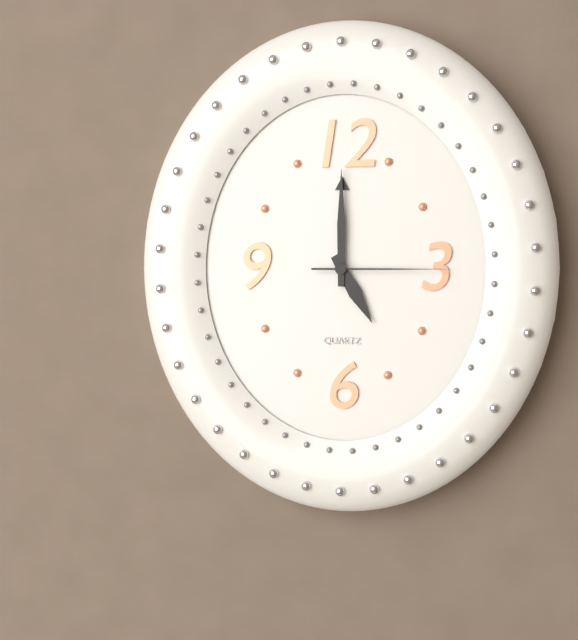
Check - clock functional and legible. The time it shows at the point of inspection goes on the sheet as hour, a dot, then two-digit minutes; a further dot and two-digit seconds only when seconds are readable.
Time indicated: 5.00.15
